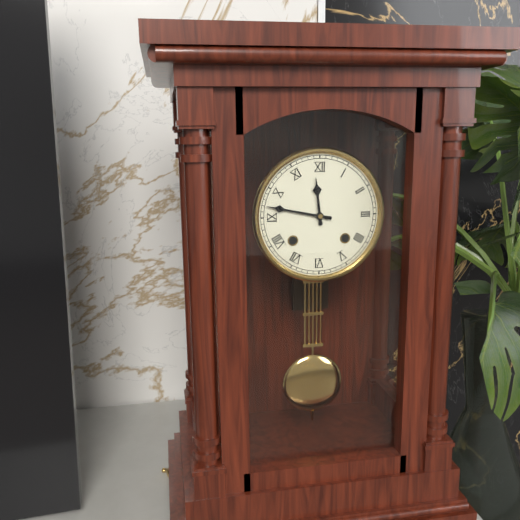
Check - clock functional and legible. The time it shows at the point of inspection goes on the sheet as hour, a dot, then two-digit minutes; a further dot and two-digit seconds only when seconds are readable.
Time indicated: 11.47
